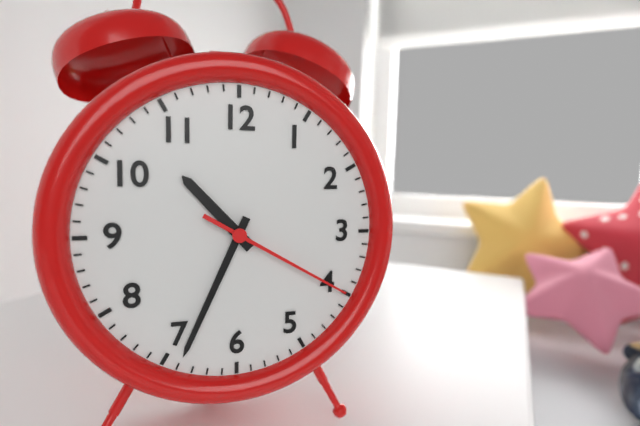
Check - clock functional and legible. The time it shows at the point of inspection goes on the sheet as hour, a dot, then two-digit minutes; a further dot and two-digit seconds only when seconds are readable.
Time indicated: 10.34.20
